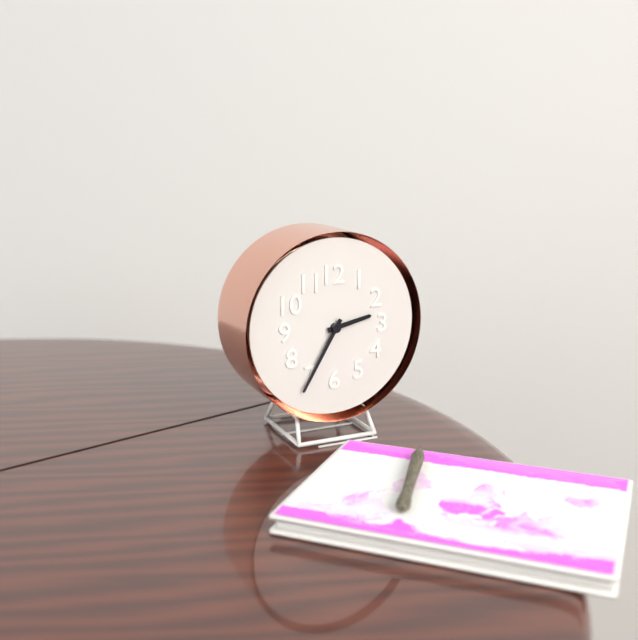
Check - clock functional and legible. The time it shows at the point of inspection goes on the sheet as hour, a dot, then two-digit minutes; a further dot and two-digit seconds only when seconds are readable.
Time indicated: 2.35
